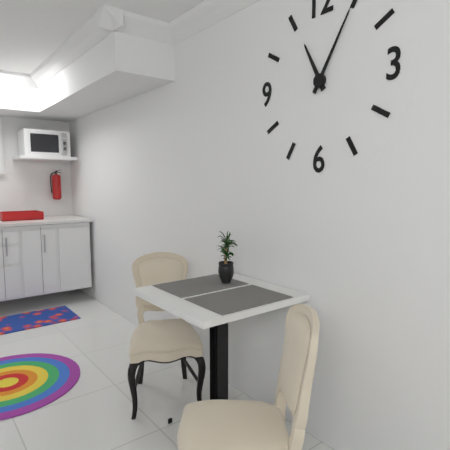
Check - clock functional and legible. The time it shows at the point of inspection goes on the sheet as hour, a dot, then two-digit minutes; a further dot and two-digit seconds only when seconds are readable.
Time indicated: 11.05
